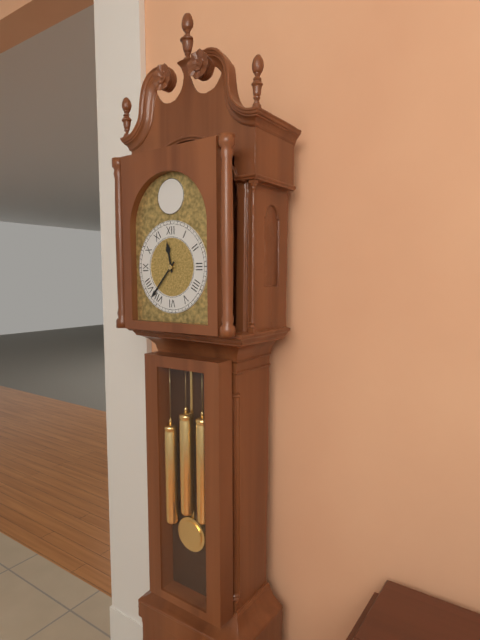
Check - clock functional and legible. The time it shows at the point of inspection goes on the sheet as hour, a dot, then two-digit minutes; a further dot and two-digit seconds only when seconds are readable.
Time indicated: 11.37
